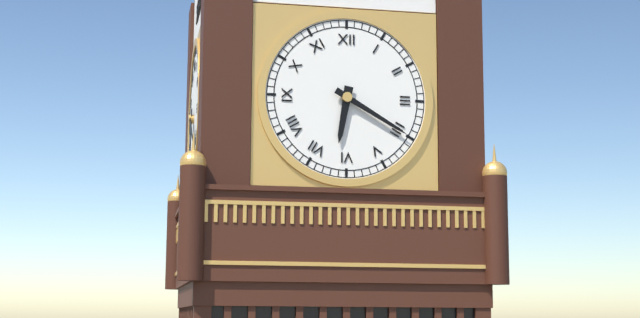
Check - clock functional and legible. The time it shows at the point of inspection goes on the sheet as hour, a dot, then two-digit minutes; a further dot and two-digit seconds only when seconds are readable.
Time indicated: 6.20
